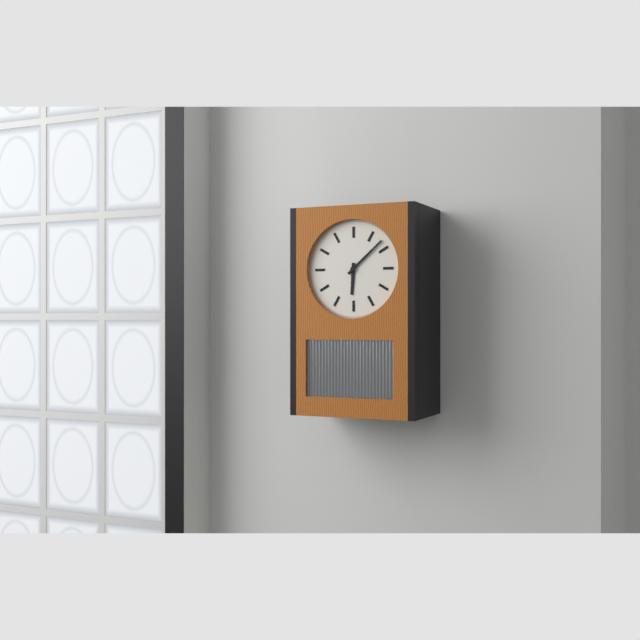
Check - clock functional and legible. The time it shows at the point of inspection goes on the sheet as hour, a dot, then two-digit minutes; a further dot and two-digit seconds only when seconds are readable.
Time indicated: 6.08
